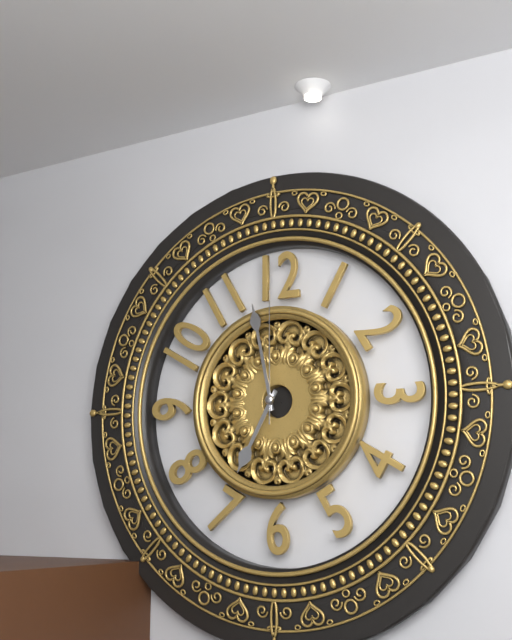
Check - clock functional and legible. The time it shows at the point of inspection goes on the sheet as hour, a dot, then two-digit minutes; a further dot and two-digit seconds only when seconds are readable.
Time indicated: 6.58.00
